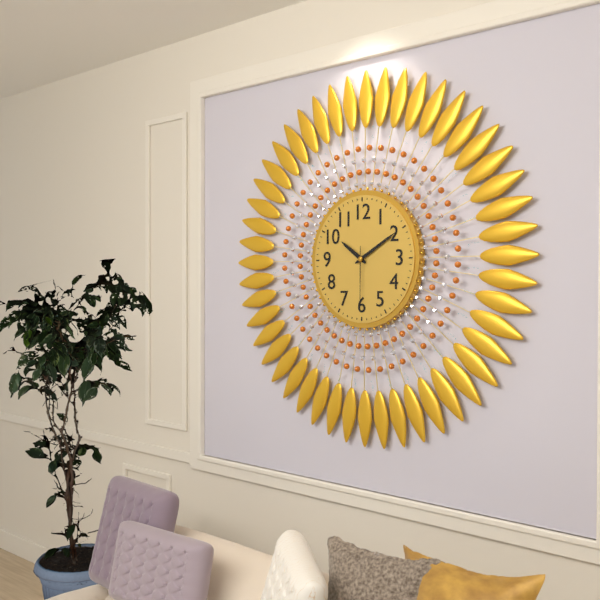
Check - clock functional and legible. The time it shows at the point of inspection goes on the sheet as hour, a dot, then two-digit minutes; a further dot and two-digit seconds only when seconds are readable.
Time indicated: 10.10.30
